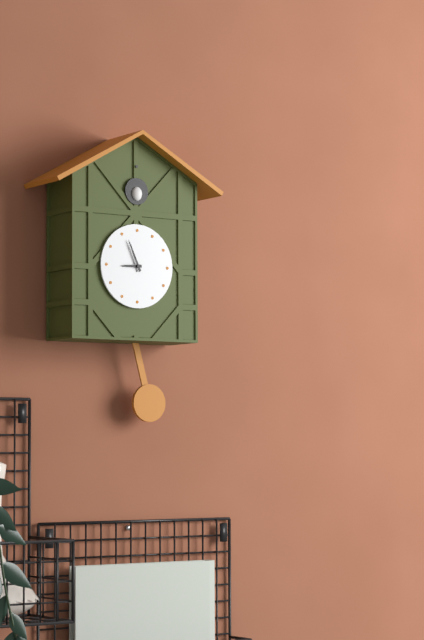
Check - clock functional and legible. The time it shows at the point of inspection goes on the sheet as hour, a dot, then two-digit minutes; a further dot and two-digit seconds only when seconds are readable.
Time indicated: 8.56
